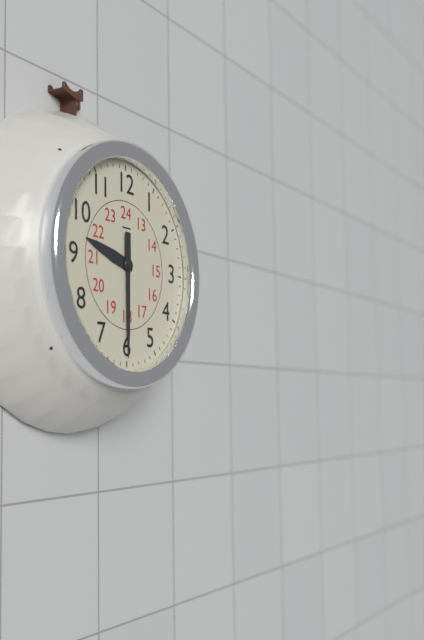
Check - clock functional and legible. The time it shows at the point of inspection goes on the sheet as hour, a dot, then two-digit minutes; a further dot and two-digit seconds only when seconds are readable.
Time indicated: 9.30
